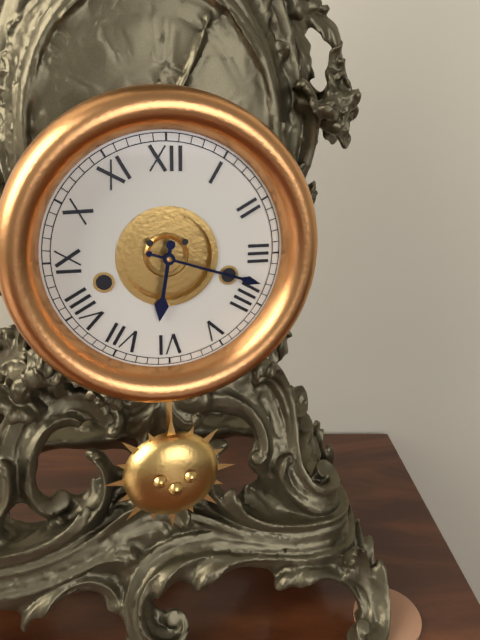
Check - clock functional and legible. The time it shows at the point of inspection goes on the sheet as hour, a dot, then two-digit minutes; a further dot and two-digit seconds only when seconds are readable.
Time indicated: 6.18
